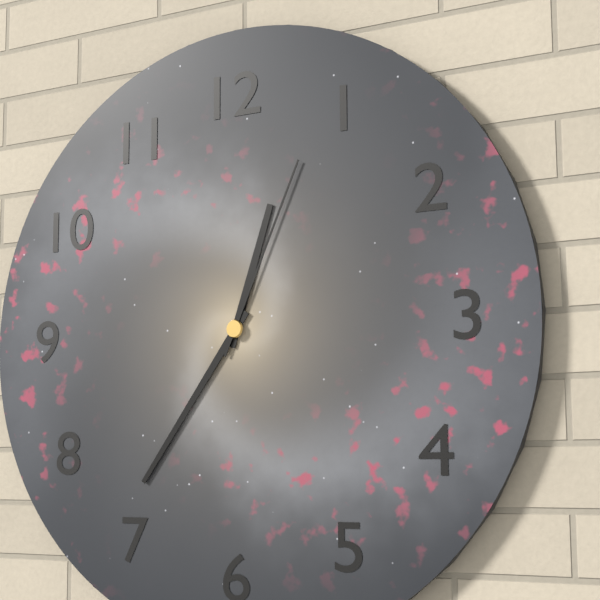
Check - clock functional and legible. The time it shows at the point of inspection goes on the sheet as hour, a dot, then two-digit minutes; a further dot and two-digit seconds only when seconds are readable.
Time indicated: 12.36.04
